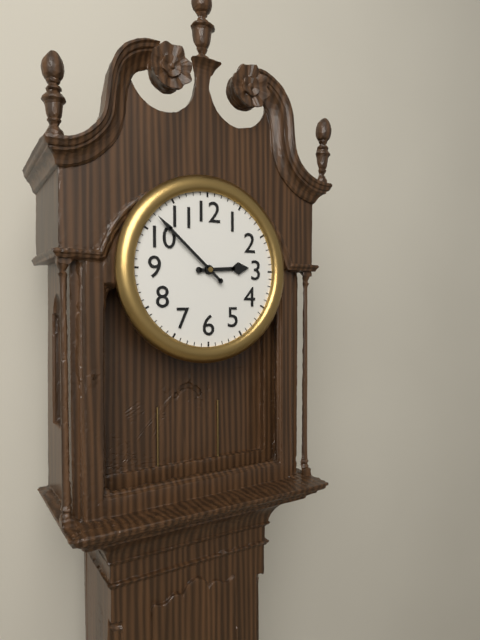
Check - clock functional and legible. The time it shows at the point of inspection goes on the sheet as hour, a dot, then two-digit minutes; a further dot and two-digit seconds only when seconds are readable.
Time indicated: 2.52
